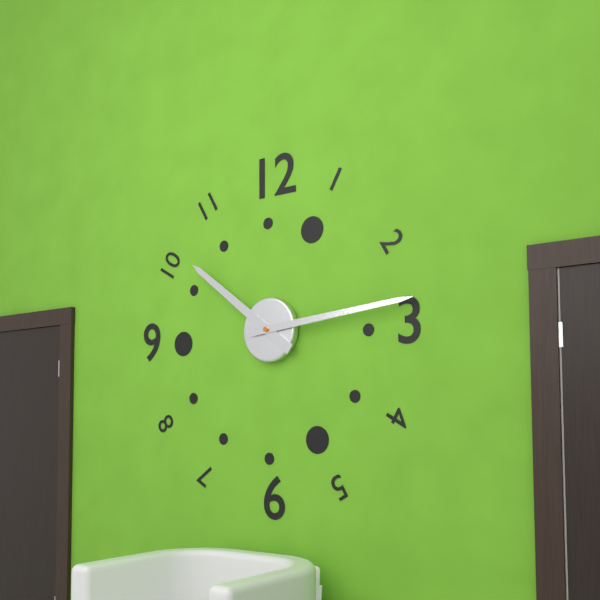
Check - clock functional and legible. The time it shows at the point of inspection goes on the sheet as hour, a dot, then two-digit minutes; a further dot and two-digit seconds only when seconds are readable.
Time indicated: 10.14
